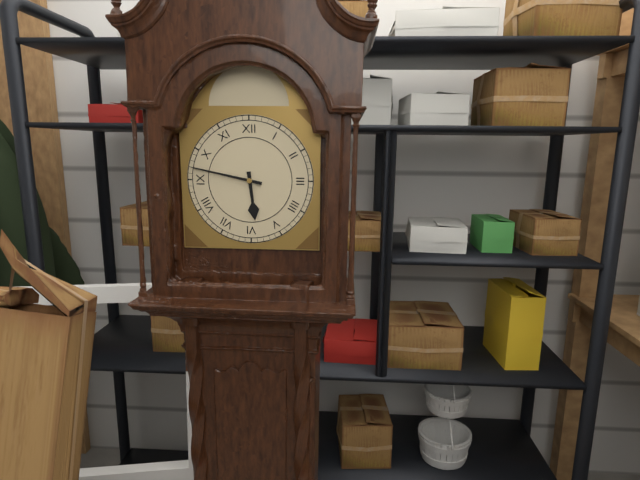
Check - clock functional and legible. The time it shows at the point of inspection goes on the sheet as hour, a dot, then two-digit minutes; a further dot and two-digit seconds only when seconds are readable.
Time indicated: 5.47
